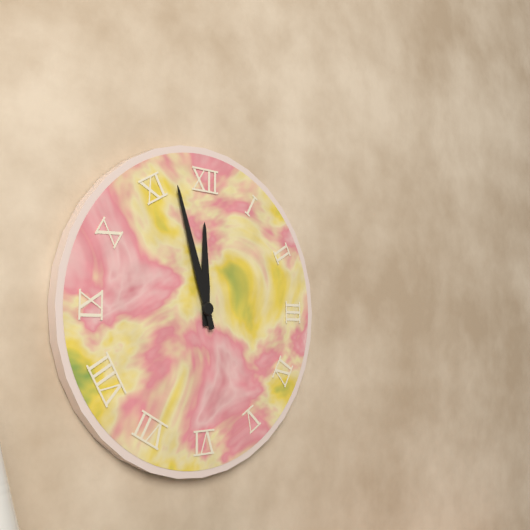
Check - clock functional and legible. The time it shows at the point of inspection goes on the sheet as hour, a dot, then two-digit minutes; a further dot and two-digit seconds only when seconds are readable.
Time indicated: 11.57
